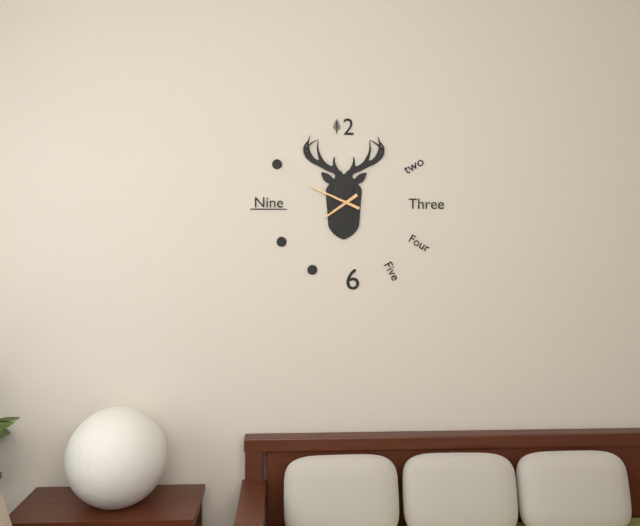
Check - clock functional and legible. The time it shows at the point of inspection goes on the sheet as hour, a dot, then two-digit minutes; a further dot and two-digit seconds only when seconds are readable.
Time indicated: 7.49
